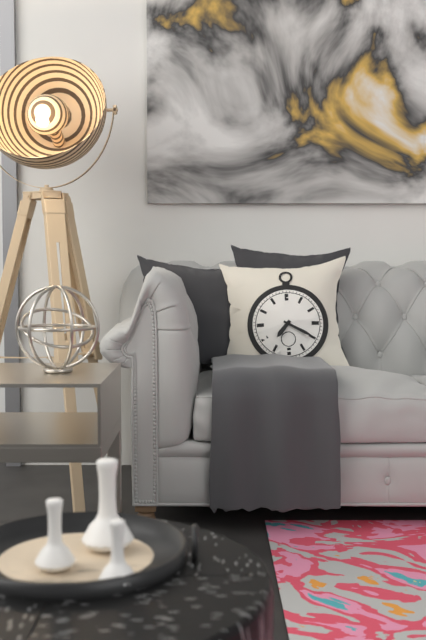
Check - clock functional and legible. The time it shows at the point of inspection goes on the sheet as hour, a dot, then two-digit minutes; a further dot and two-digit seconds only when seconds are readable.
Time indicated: 7.20
